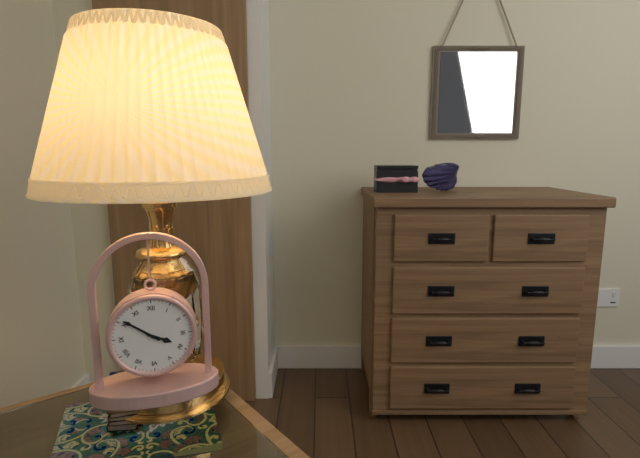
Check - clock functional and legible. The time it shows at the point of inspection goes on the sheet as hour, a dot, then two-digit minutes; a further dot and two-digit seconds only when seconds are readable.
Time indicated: 3.51
